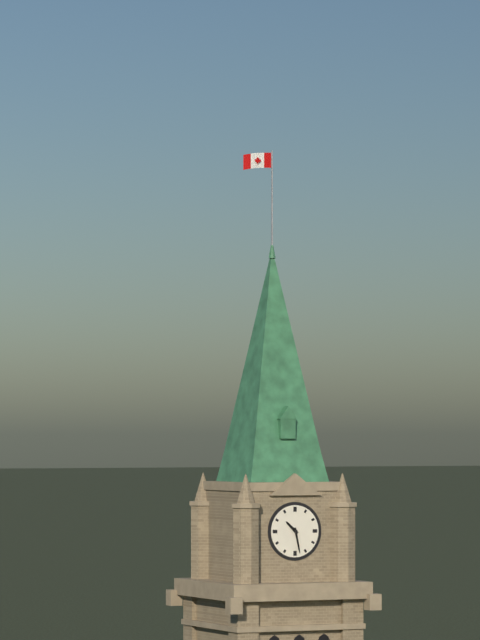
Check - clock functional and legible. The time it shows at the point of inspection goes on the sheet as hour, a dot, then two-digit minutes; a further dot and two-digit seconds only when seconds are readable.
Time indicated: 10.28
